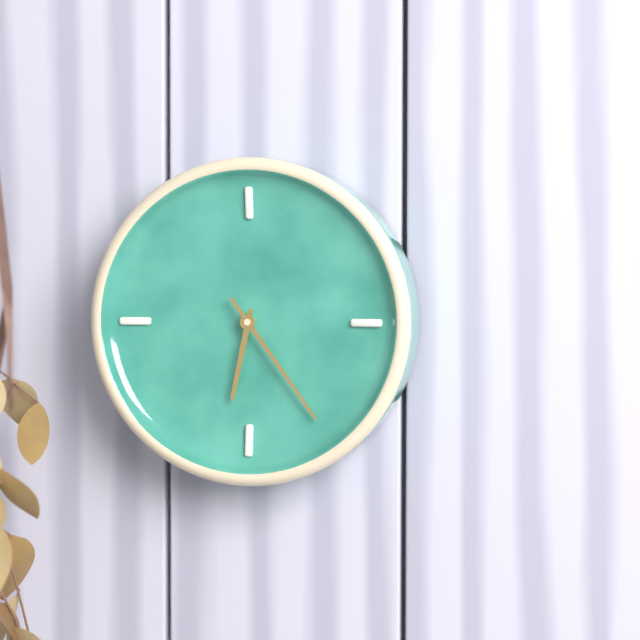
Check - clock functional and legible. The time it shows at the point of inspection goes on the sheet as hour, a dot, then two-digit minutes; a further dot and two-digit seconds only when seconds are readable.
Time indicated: 6.24
